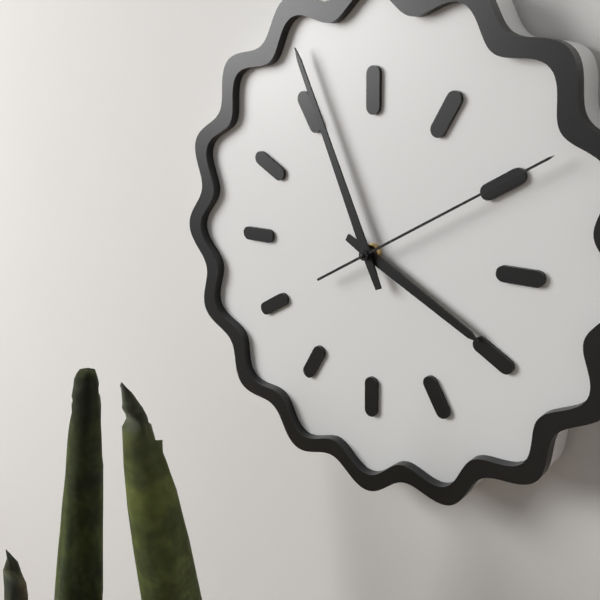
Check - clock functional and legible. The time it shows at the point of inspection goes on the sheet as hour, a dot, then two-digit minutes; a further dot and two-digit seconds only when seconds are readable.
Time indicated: 3.56.10
